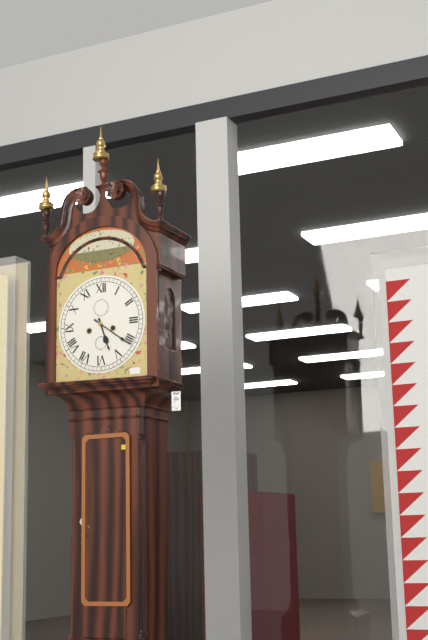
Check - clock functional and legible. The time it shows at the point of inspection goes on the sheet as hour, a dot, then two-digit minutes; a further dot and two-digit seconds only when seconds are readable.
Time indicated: 5.21
